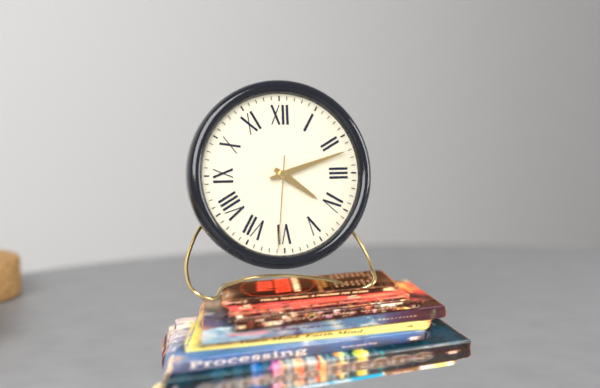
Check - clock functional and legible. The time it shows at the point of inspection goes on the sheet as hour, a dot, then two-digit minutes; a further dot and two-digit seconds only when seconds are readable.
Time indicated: 4.12.31
